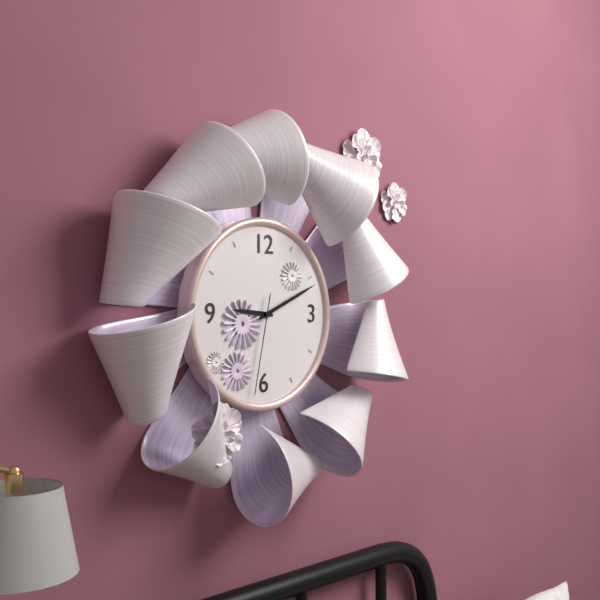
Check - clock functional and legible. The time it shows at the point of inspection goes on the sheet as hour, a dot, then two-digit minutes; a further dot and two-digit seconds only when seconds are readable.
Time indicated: 9.11.32
